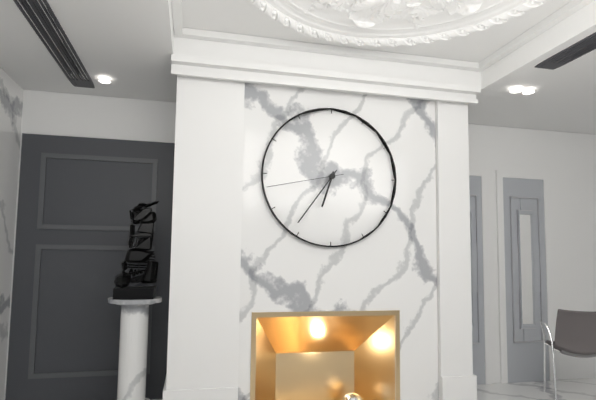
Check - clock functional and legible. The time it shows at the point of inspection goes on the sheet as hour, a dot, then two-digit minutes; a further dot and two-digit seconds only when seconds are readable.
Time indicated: 6.36.43
